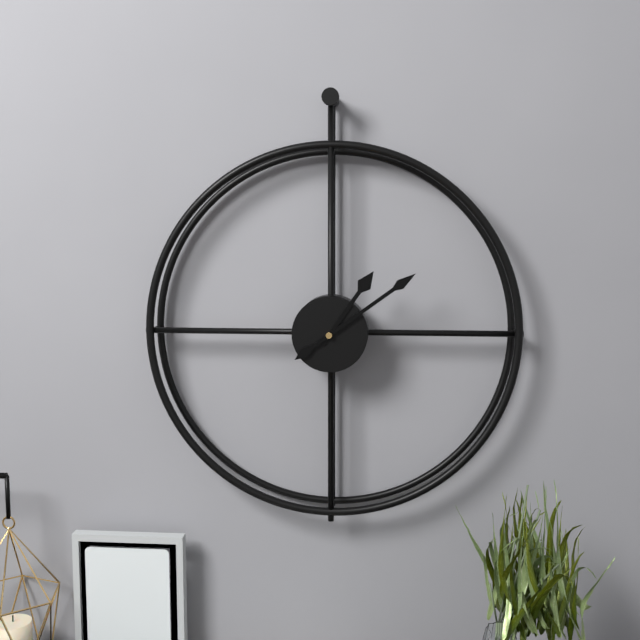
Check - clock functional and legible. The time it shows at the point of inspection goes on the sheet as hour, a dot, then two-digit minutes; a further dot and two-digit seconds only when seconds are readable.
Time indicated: 1.09
